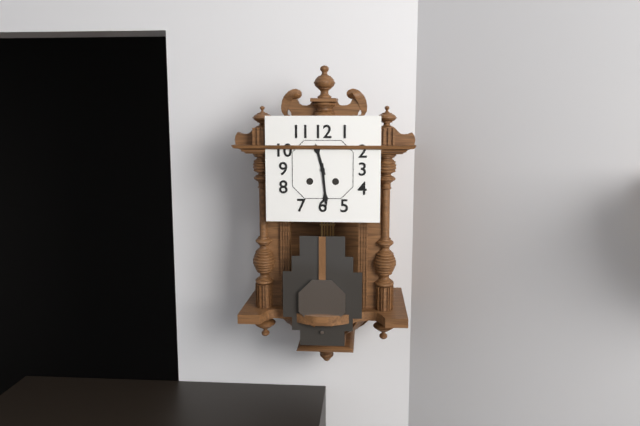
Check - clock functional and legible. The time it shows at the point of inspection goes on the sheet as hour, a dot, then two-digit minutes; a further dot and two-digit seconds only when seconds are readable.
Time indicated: 11.29
